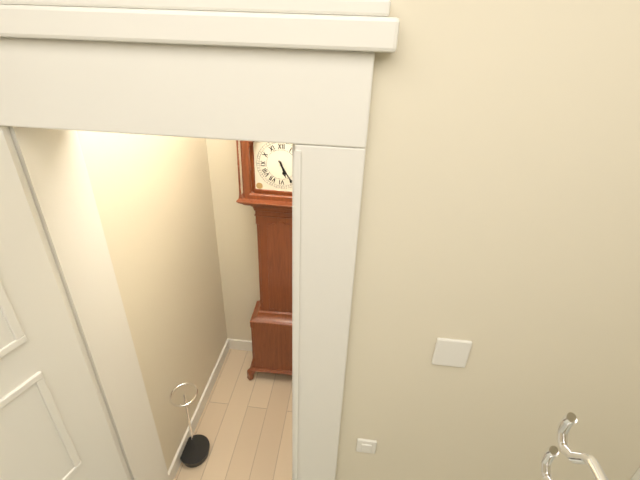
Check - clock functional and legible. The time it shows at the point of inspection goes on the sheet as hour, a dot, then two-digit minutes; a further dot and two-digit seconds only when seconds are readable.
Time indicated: 5.25
